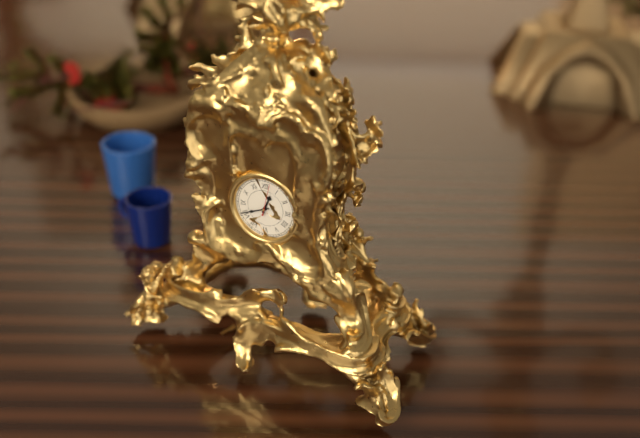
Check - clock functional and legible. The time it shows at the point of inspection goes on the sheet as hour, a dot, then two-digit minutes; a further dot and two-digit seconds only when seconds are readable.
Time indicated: 12.41
